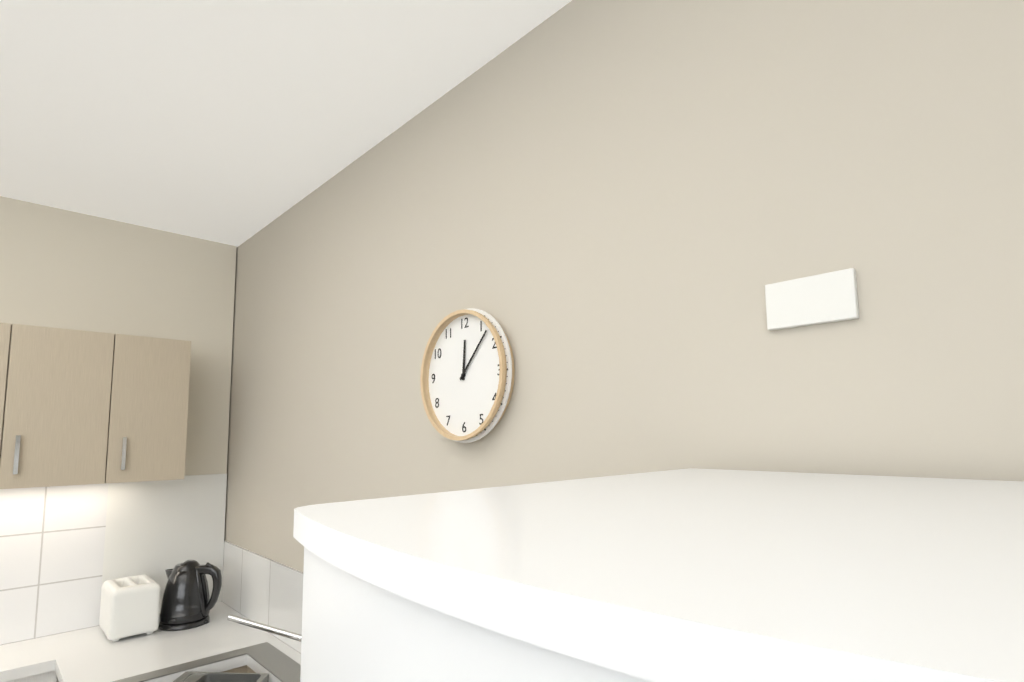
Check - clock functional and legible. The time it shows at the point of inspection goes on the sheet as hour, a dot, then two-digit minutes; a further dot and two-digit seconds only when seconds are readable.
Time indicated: 12.07
